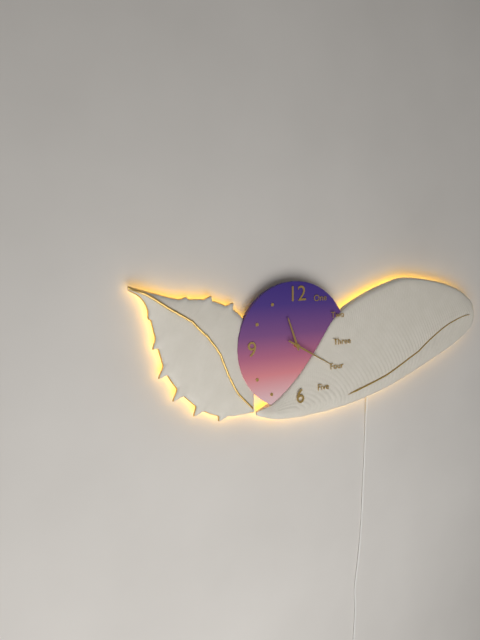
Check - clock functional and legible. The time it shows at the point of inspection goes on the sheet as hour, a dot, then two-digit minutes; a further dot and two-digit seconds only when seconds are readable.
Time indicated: 11.20
